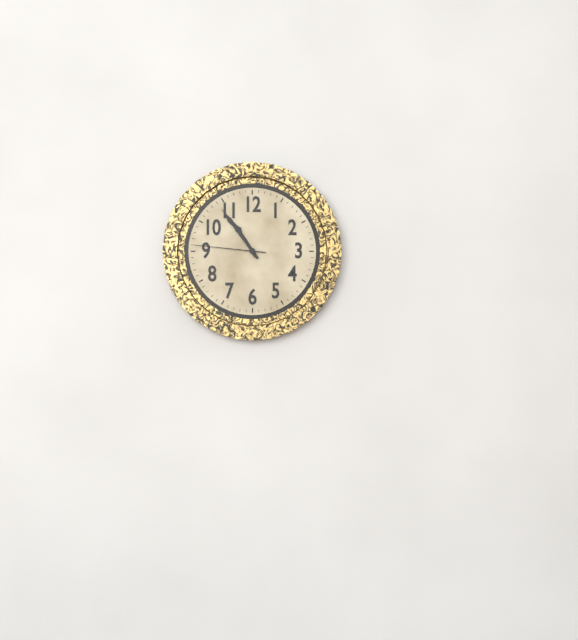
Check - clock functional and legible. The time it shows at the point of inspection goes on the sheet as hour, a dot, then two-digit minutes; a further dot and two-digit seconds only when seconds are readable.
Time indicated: 10.54.46
